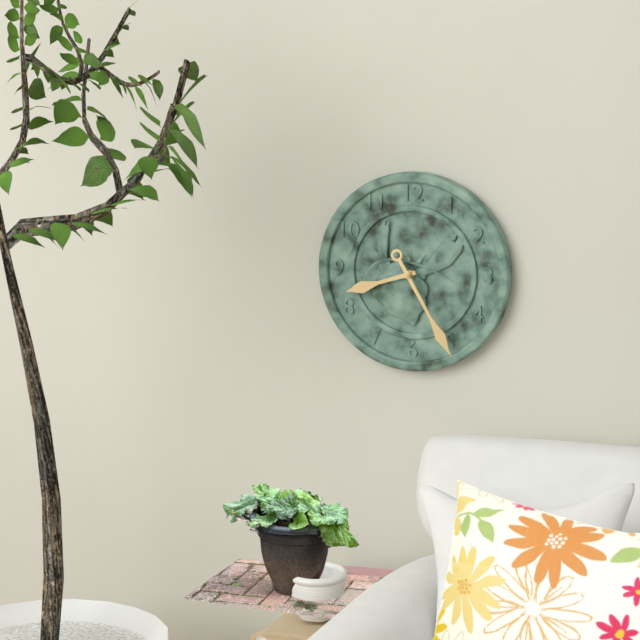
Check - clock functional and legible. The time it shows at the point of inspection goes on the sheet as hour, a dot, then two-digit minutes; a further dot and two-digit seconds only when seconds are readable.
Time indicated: 8.25
